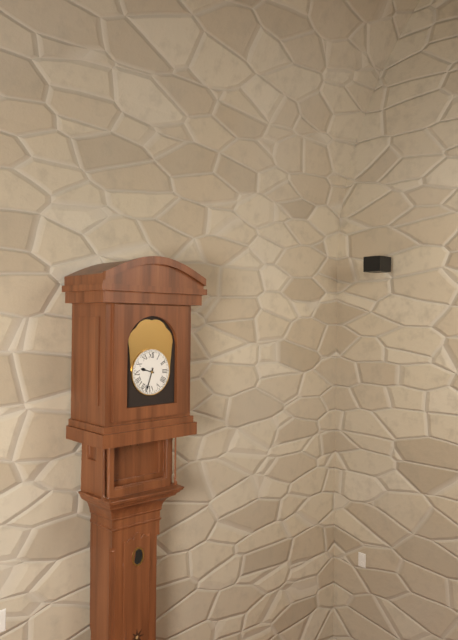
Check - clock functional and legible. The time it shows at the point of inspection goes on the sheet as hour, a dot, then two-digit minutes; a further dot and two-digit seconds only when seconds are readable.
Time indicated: 9.33
